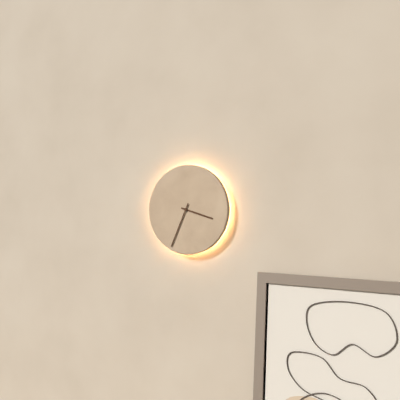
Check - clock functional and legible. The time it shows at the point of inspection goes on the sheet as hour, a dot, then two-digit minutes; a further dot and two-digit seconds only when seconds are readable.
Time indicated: 3.34
